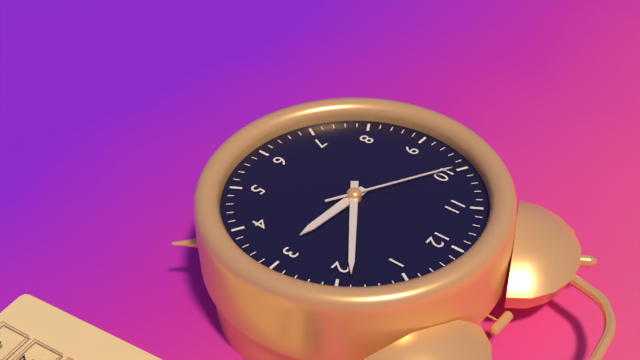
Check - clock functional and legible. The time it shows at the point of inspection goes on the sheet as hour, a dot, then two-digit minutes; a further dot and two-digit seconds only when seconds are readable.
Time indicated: 3.09.50
